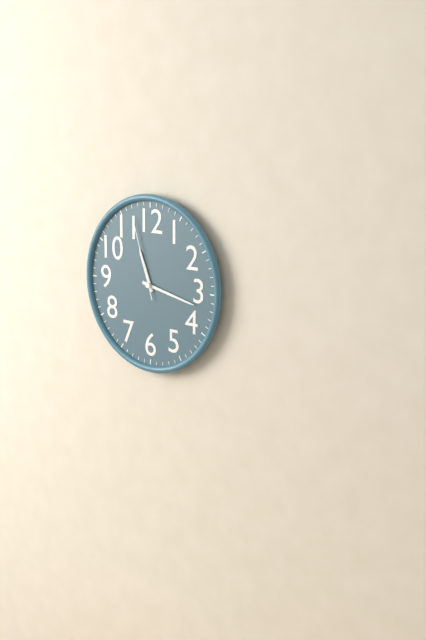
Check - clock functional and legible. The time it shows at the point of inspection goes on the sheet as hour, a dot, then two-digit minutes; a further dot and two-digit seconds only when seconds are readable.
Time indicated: 11.17.57
